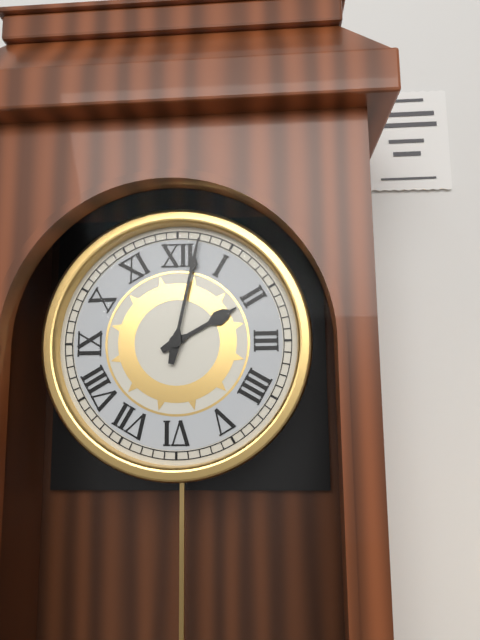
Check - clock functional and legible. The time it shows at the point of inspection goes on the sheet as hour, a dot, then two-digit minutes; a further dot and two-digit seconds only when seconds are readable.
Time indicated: 2.02
